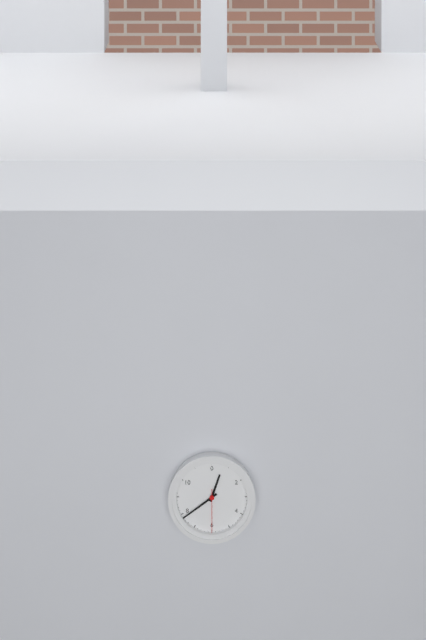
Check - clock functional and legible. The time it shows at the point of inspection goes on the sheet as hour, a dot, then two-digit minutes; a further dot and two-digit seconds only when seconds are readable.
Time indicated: 12.39
